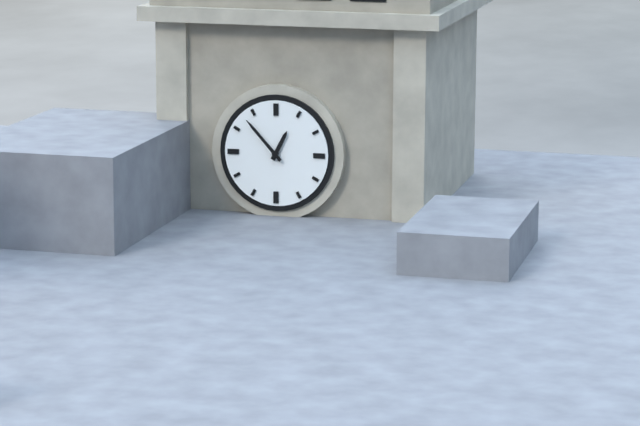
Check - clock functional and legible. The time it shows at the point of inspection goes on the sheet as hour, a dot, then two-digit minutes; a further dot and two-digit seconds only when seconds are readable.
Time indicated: 12.53
